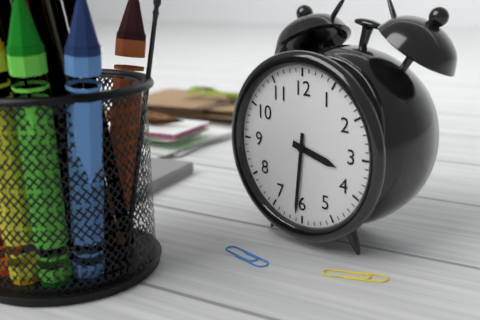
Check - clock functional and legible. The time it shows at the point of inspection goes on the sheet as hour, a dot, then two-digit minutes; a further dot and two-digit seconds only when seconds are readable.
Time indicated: 3.31
